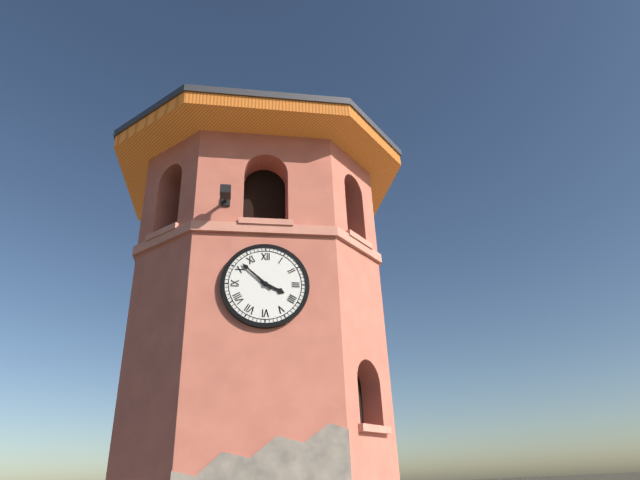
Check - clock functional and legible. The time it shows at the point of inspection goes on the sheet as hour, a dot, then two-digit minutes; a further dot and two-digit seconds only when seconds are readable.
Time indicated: 3.52
